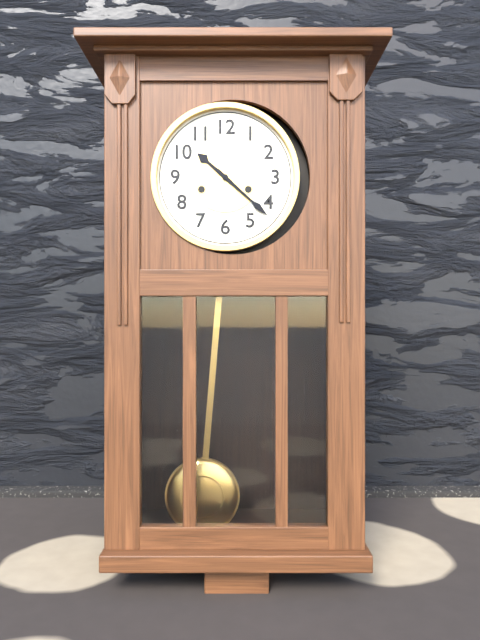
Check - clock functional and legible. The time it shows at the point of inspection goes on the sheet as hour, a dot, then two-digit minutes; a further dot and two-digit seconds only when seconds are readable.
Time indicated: 10.22
